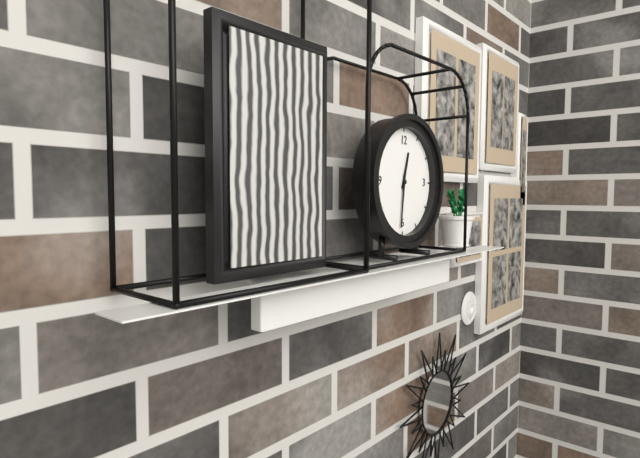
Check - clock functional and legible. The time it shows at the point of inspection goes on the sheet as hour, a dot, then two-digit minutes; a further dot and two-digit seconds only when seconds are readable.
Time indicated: 12.31
